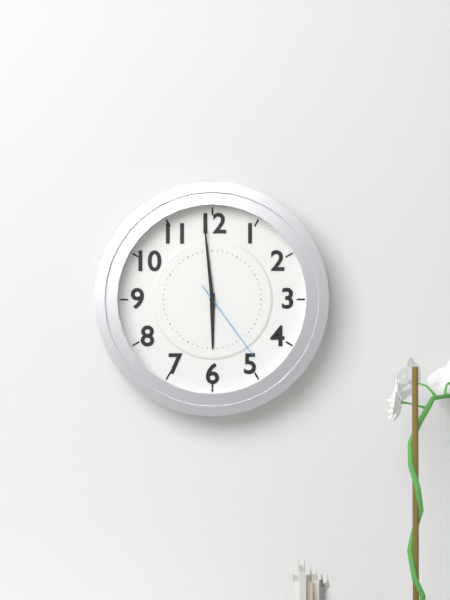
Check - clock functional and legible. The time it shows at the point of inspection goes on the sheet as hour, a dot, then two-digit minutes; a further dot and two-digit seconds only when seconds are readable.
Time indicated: 5.59.24
